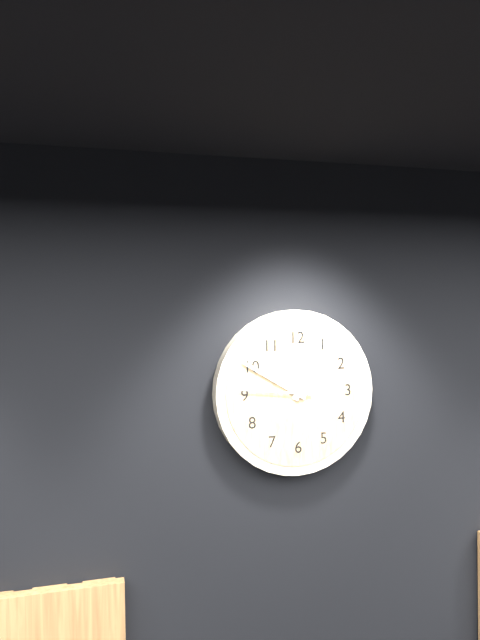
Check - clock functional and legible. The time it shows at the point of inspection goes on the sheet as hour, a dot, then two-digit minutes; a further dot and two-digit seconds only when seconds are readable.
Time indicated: 12.50.46
